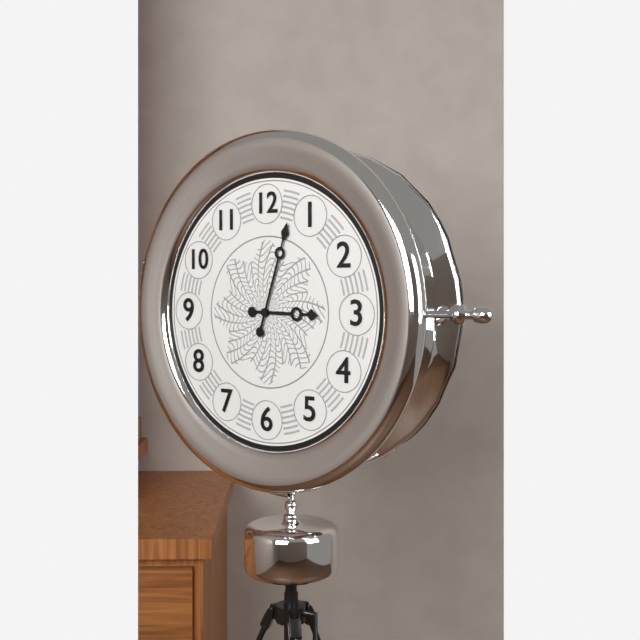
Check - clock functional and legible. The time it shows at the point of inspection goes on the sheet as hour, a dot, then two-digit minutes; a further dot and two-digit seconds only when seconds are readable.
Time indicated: 3.03
